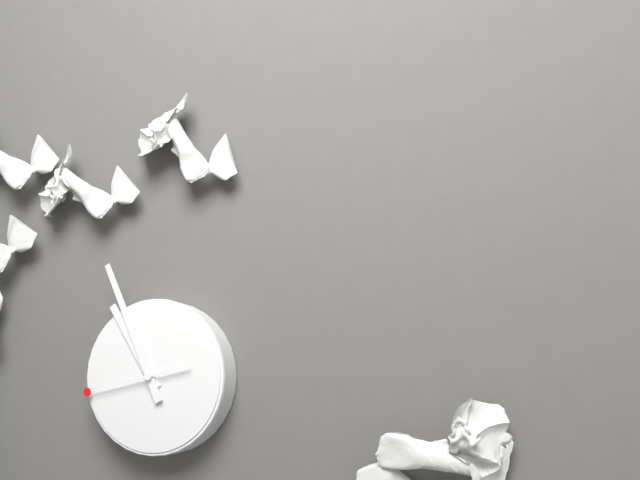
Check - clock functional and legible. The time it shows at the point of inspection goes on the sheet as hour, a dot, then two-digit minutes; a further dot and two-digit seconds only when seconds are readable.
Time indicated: 10.56.43
